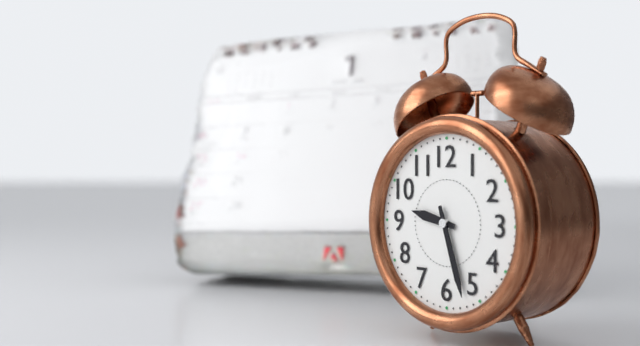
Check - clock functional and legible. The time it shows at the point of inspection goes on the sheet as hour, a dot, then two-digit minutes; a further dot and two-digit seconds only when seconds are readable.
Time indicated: 9.27
